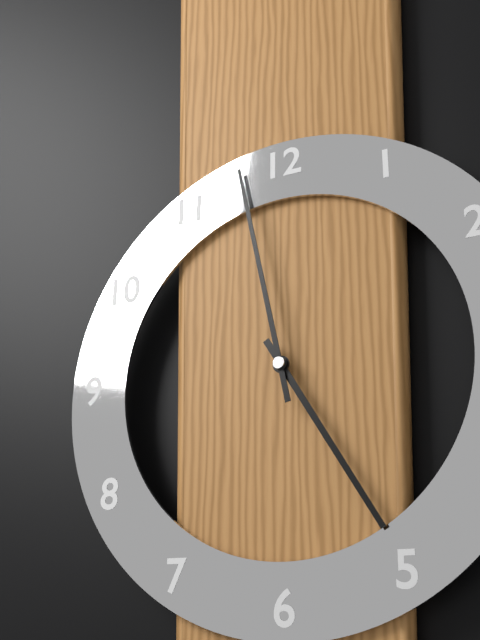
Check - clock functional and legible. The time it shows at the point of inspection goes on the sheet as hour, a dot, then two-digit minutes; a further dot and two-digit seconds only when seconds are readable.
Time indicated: 4.58
